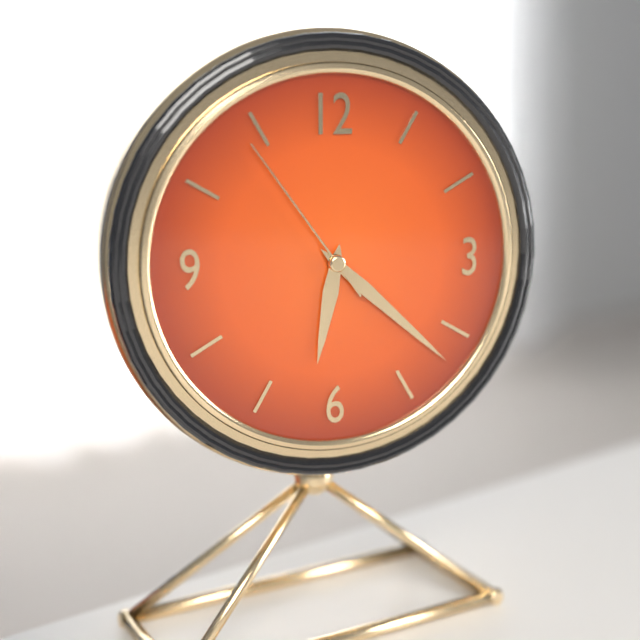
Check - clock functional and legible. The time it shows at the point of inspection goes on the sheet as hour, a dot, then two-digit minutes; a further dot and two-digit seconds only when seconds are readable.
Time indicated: 6.22.54
